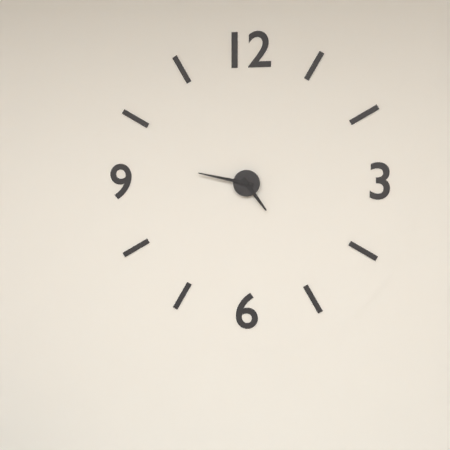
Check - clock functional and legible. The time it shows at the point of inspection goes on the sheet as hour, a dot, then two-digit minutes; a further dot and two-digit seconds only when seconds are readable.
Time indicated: 4.47
